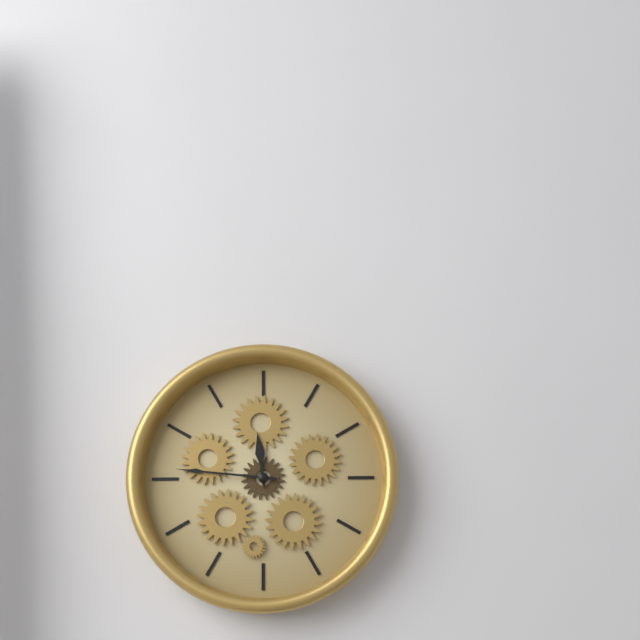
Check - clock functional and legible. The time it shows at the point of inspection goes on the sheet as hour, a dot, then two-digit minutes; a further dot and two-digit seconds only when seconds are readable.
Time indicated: 11.46
